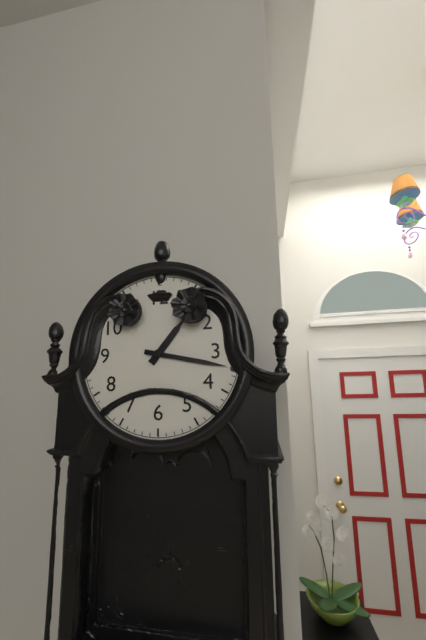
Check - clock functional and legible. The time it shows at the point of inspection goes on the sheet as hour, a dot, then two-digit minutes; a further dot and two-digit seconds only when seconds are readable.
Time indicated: 1.17
